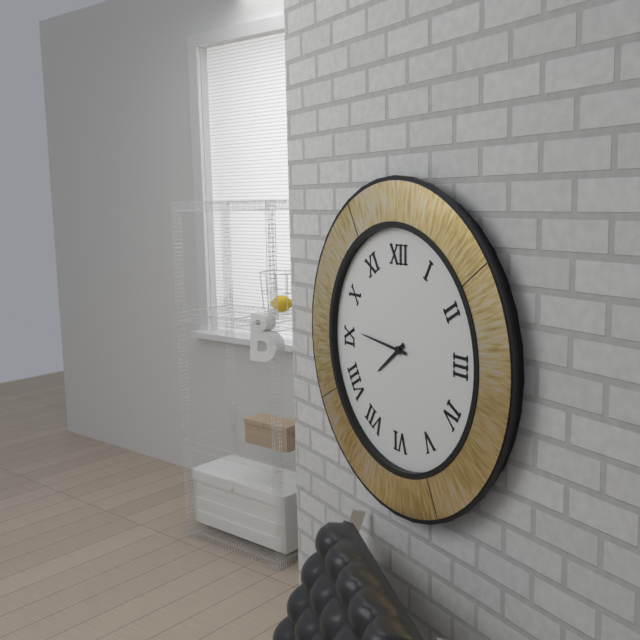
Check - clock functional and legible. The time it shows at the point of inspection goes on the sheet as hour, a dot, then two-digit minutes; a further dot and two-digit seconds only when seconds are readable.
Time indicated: 7.46
